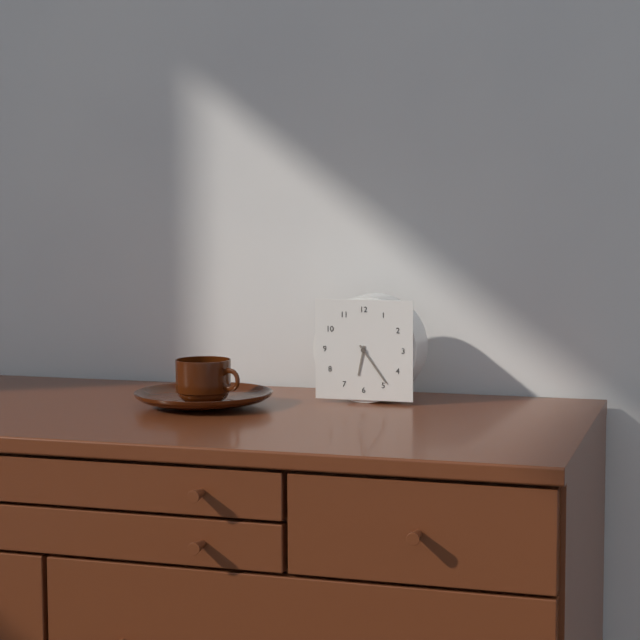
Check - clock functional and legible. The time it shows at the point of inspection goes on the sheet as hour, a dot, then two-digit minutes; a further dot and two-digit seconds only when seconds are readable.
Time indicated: 6.24
